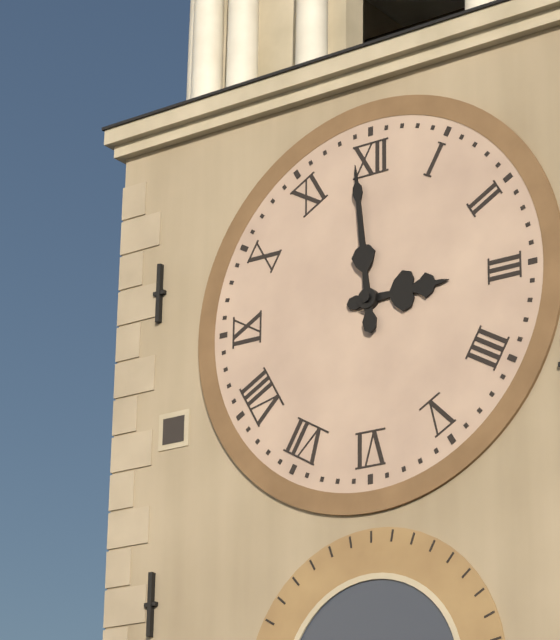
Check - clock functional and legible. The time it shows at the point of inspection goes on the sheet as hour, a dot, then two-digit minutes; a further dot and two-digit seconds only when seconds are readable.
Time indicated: 2.59
